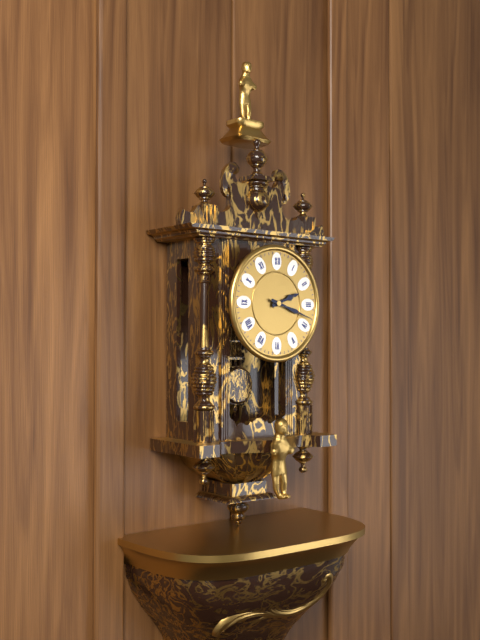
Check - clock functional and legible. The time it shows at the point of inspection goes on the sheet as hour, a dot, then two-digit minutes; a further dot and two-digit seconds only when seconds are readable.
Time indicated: 2.18
